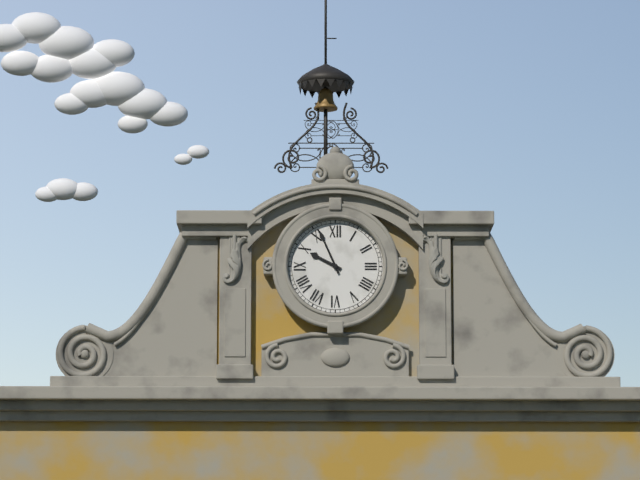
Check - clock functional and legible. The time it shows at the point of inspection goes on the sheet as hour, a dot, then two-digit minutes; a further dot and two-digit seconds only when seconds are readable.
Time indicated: 9.56
